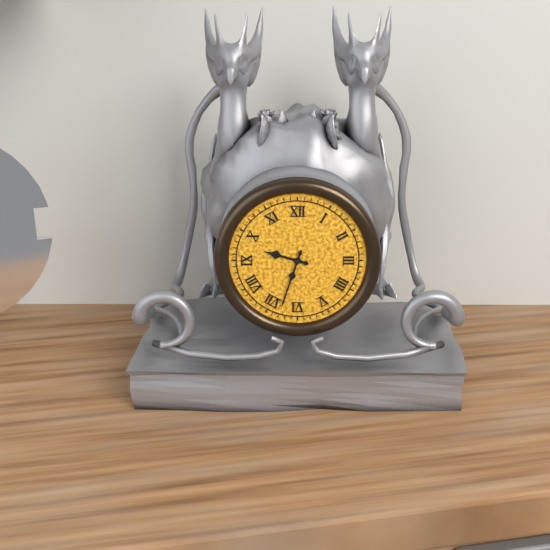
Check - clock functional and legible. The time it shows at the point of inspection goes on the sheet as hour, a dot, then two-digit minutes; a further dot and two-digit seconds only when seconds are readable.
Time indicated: 9.33
